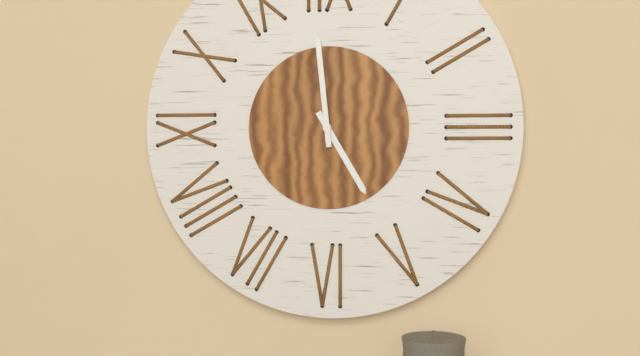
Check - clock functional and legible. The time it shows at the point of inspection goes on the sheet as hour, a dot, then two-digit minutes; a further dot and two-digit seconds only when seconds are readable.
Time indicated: 4.59
